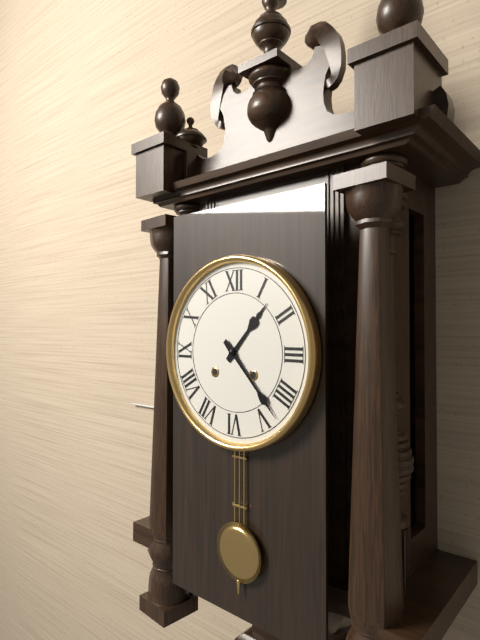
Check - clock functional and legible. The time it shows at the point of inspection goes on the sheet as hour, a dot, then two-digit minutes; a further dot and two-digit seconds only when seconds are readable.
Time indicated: 1.23
